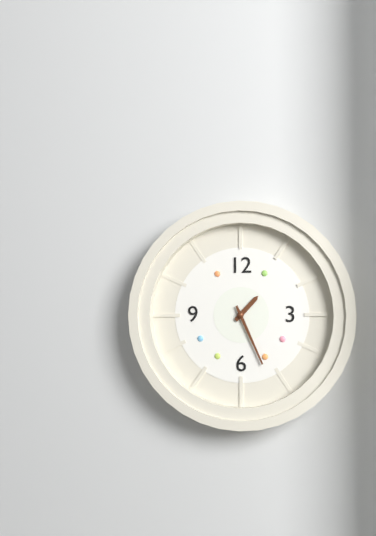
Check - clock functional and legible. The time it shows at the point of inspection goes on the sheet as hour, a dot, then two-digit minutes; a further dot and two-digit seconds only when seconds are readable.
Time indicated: 1.26
